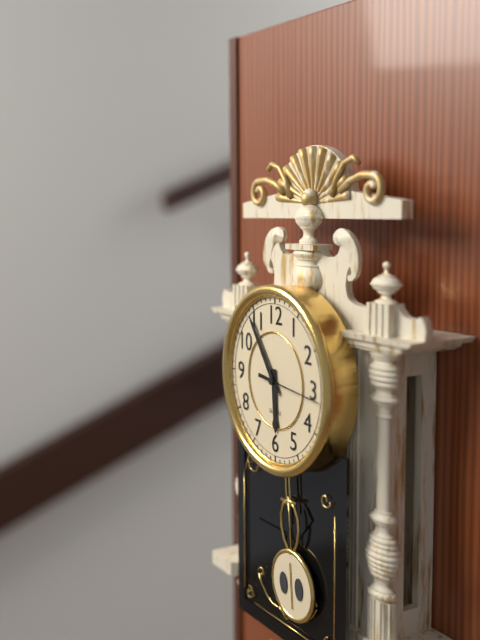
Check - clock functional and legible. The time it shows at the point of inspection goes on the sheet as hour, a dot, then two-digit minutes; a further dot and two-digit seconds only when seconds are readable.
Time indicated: 5.54.16
